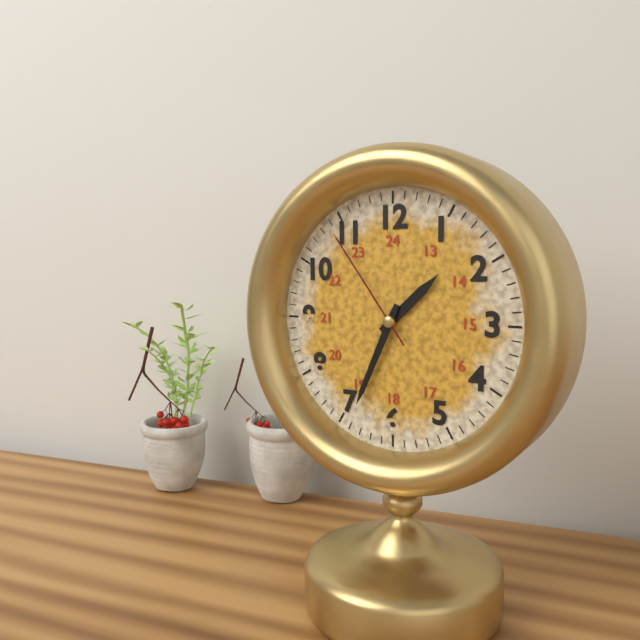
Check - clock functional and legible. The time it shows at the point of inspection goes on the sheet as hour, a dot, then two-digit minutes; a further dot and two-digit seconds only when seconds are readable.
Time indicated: 1.34.54
